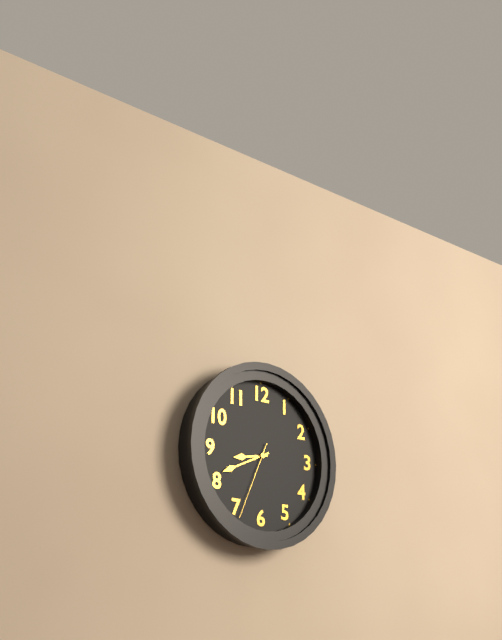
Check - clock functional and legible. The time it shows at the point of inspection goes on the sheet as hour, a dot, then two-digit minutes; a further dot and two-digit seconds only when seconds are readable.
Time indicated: 8.41.34
